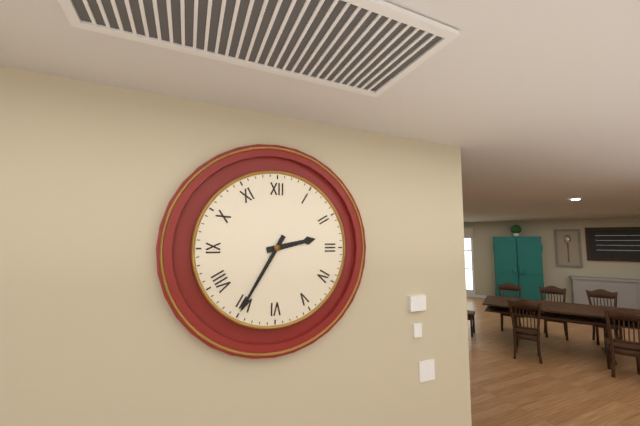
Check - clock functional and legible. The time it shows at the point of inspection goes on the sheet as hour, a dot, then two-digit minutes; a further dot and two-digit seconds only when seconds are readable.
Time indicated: 2.35
